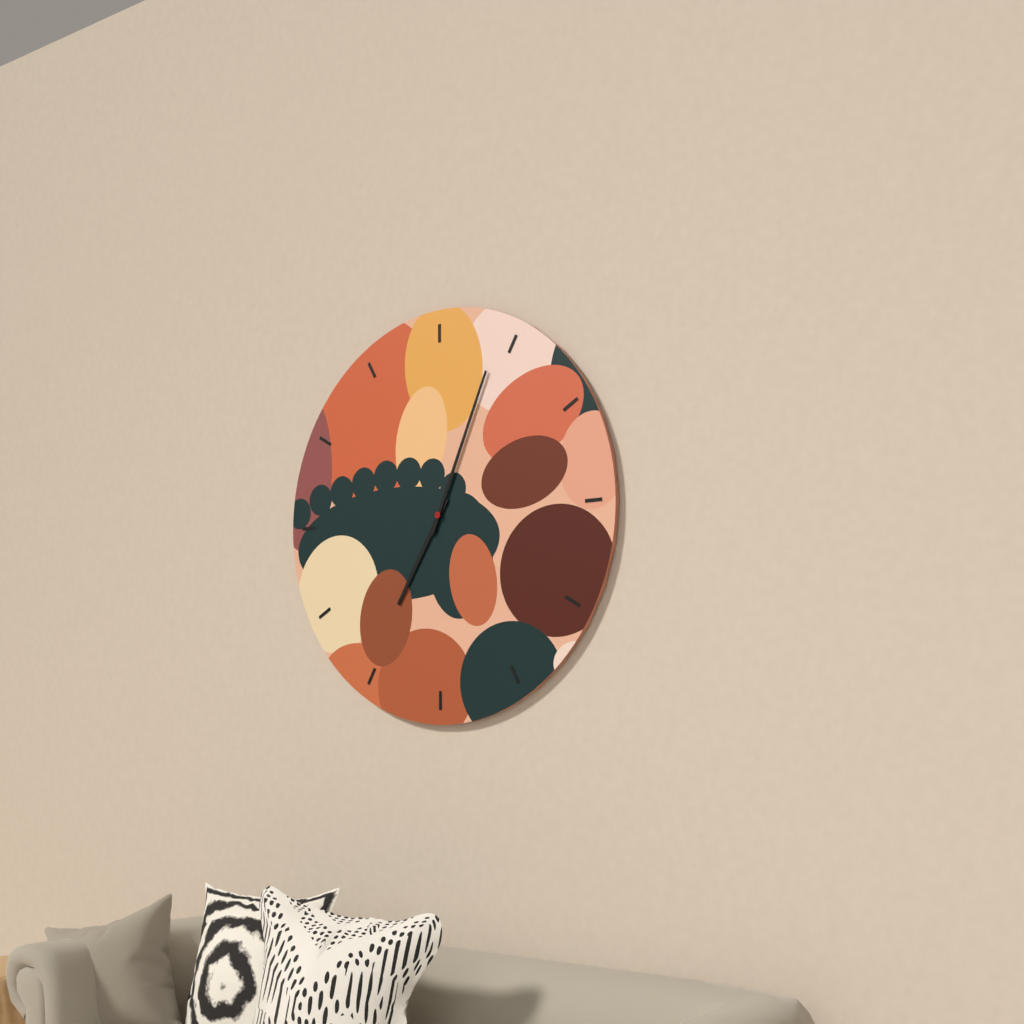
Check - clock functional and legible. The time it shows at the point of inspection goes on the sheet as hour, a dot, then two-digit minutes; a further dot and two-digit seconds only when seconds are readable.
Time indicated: 7.04
